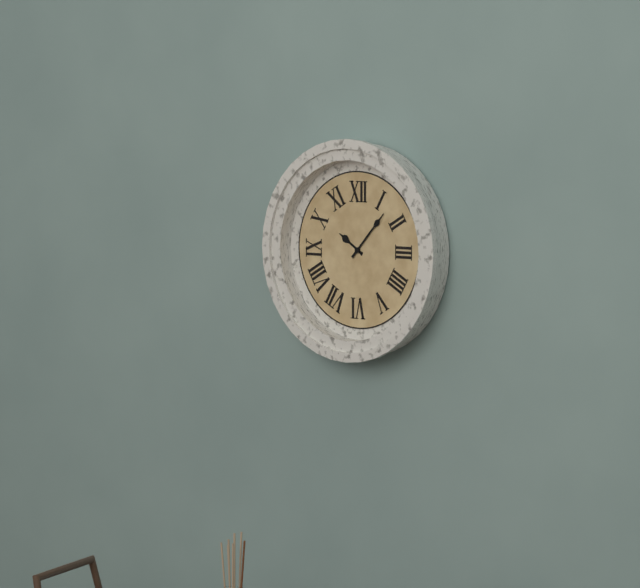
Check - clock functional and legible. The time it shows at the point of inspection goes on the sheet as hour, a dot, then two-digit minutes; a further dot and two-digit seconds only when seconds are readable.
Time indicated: 10.07
